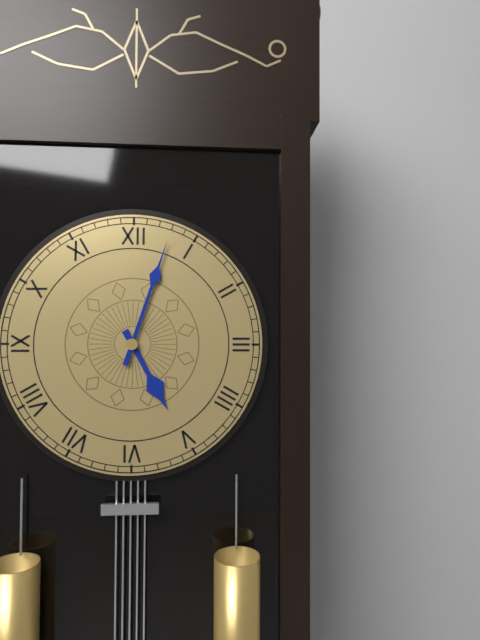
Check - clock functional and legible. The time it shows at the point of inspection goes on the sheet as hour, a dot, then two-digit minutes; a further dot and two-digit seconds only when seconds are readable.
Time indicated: 5.03
